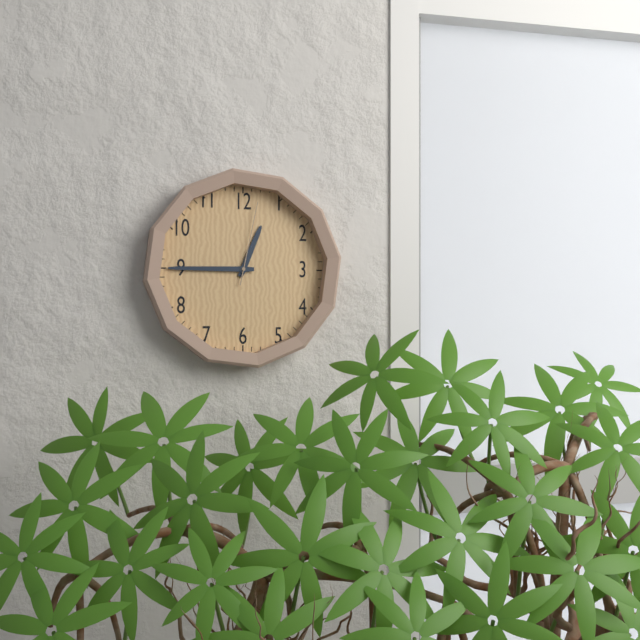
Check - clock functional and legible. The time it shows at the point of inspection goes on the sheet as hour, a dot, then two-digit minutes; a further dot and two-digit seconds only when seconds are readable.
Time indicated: 12.45.02
